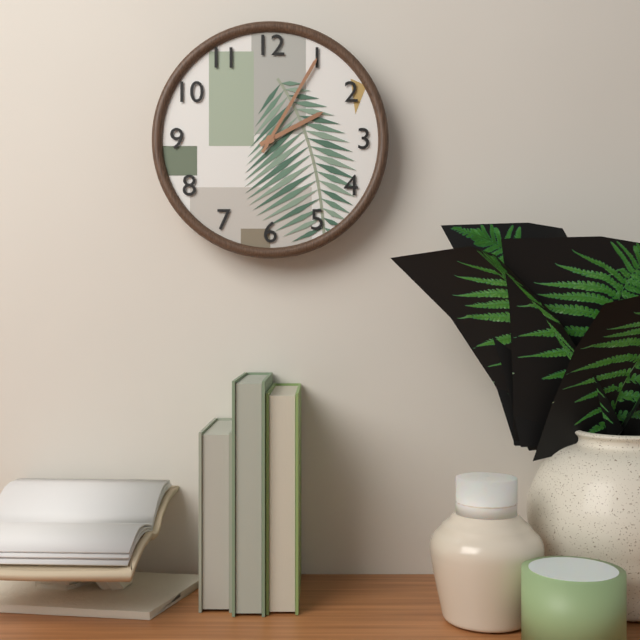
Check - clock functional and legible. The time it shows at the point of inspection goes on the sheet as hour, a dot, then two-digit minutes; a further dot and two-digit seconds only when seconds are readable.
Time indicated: 2.05
